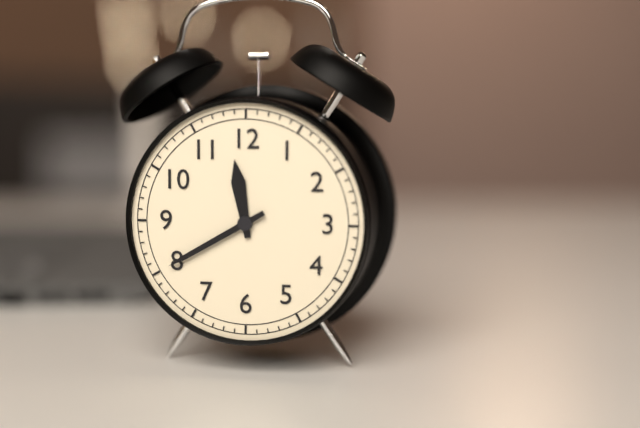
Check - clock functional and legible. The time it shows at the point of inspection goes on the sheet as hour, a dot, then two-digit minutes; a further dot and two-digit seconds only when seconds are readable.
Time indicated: 11.40
